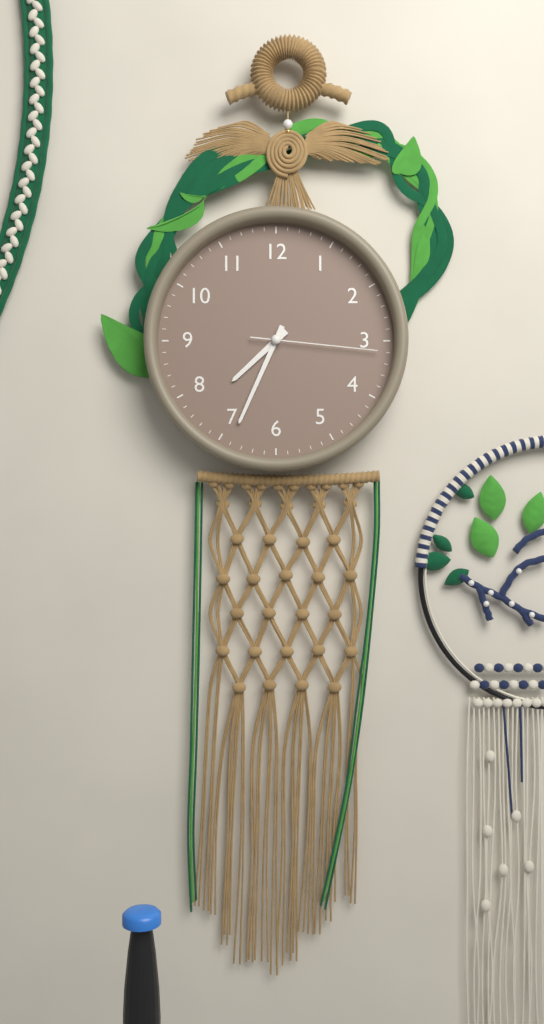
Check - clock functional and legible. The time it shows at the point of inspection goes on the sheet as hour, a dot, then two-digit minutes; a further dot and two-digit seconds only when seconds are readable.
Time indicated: 7.34.16
